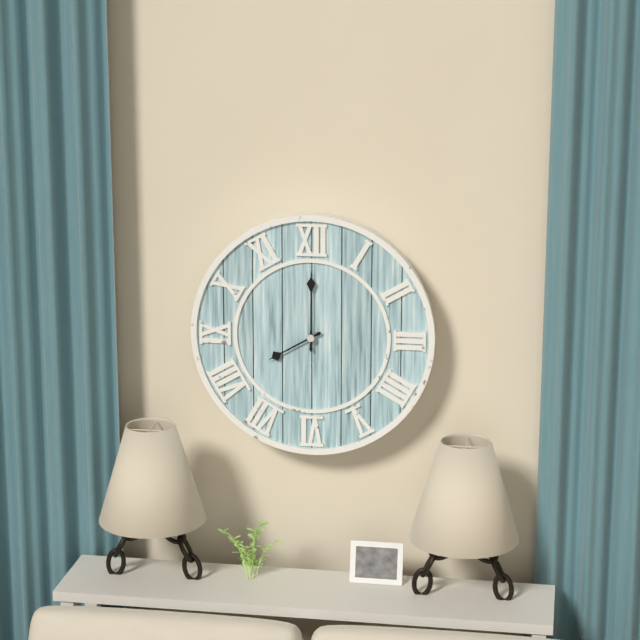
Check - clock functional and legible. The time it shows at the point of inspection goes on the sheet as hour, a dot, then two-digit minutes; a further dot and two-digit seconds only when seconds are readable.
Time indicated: 8.00
